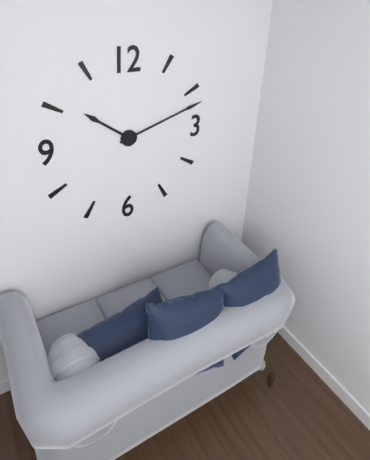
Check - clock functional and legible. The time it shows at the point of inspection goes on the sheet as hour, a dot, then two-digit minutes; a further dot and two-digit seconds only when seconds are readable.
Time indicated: 10.12
